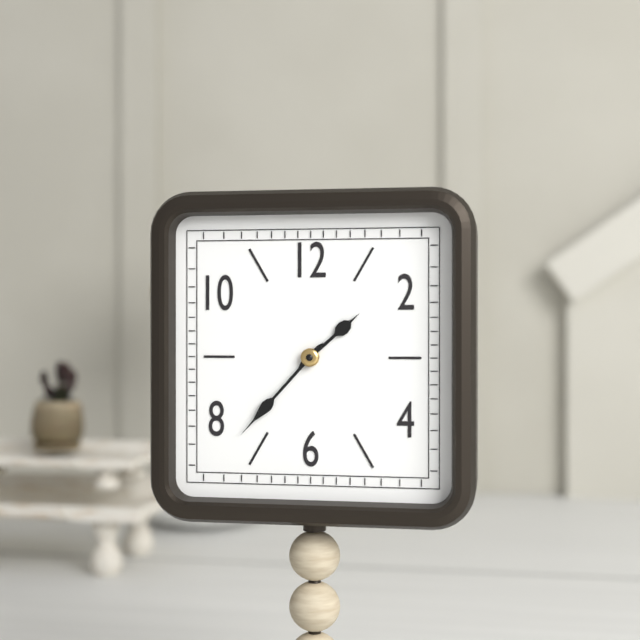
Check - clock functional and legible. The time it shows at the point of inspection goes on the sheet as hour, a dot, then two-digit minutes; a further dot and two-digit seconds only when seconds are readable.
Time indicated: 1.37
